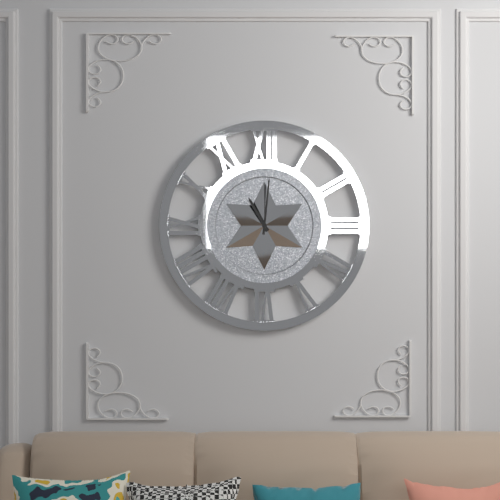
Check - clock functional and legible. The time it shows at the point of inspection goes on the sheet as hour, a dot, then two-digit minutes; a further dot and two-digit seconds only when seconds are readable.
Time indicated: 11.01
